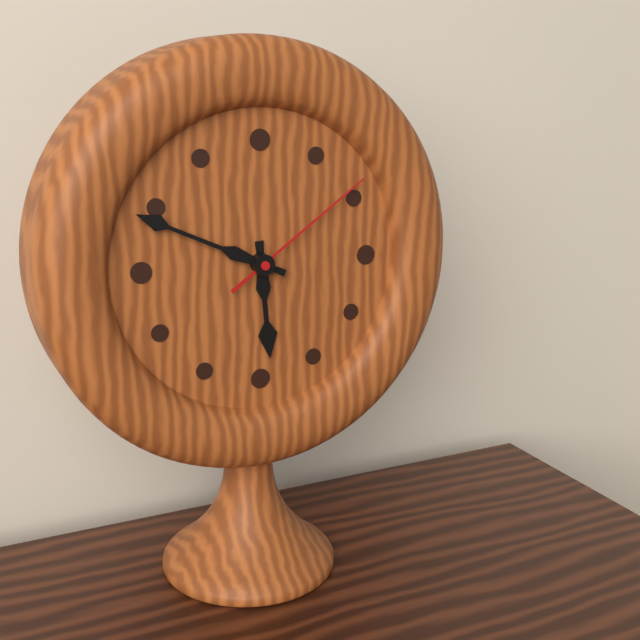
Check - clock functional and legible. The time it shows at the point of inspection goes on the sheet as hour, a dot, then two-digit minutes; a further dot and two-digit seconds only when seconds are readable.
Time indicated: 5.49.09
